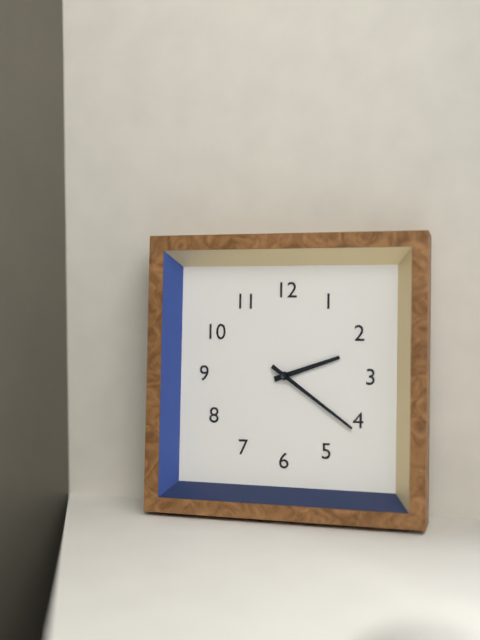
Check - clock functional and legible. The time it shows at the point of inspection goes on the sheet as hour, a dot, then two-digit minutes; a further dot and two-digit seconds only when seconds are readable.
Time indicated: 2.21
